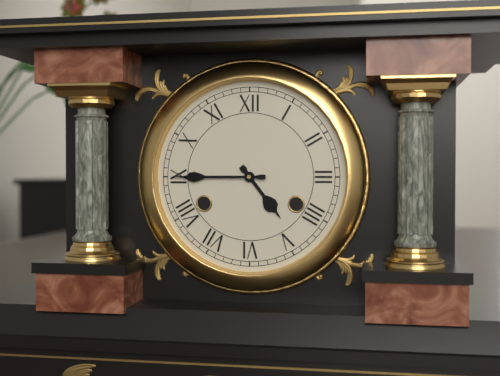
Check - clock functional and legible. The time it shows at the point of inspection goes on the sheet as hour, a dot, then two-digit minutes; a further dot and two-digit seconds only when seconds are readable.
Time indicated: 4.45
